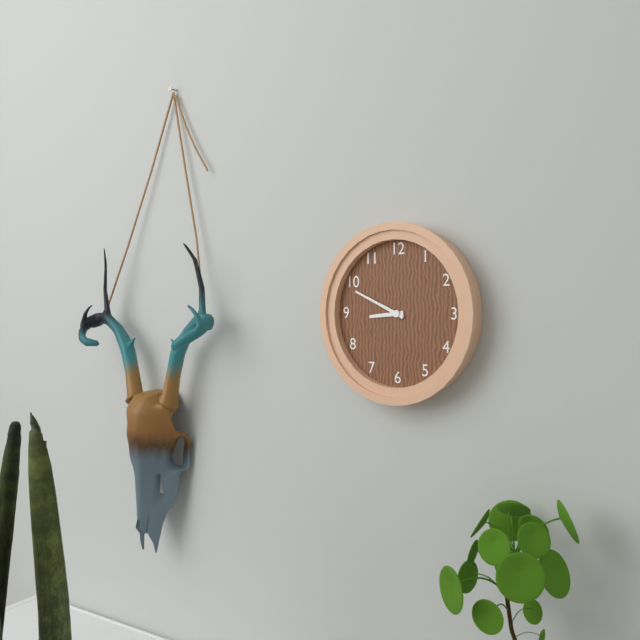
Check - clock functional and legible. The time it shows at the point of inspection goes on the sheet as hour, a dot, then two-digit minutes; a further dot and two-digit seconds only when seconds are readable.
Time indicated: 8.49
